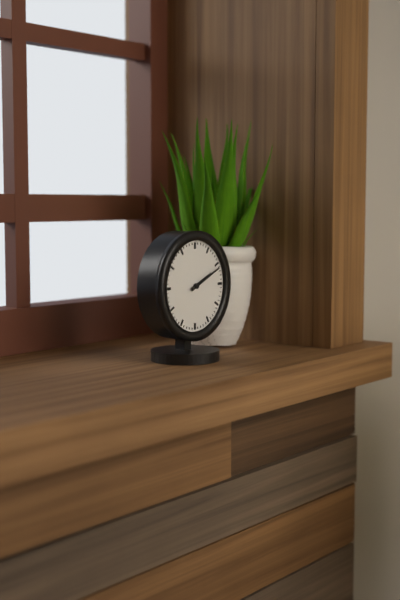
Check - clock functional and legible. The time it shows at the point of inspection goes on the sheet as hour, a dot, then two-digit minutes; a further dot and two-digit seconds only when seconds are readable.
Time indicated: 2.11
